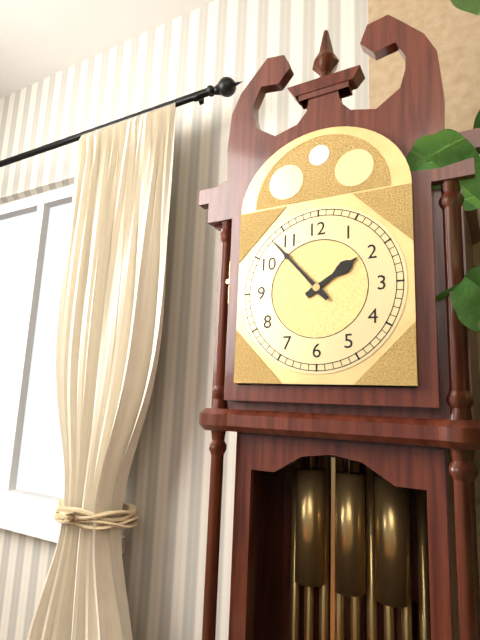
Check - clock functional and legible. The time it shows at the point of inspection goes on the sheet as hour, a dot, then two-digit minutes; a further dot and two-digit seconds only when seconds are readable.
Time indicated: 1.53
